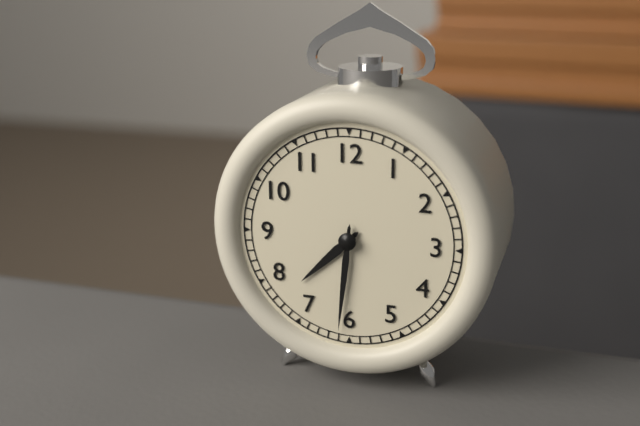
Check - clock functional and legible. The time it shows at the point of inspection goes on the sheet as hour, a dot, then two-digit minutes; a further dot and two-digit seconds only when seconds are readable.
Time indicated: 7.31
